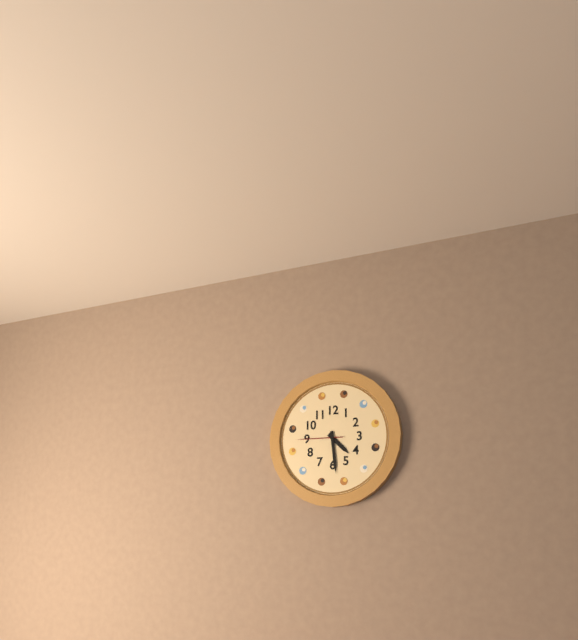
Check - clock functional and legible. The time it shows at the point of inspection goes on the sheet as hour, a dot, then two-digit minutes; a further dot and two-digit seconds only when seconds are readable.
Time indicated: 4.29
